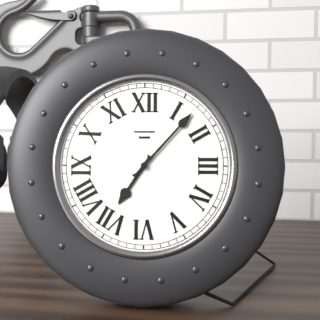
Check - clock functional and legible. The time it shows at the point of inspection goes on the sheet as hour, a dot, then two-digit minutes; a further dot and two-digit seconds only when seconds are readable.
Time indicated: 7.07
